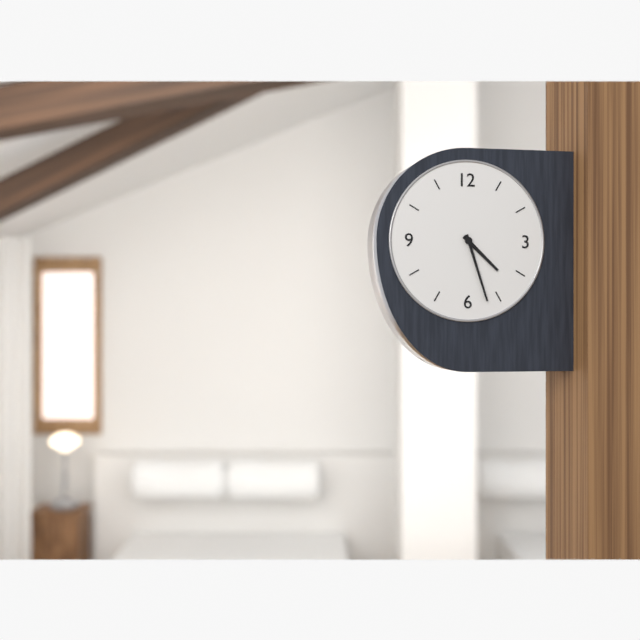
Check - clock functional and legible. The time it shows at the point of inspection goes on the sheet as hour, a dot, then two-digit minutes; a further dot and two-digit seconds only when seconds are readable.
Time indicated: 4.27
